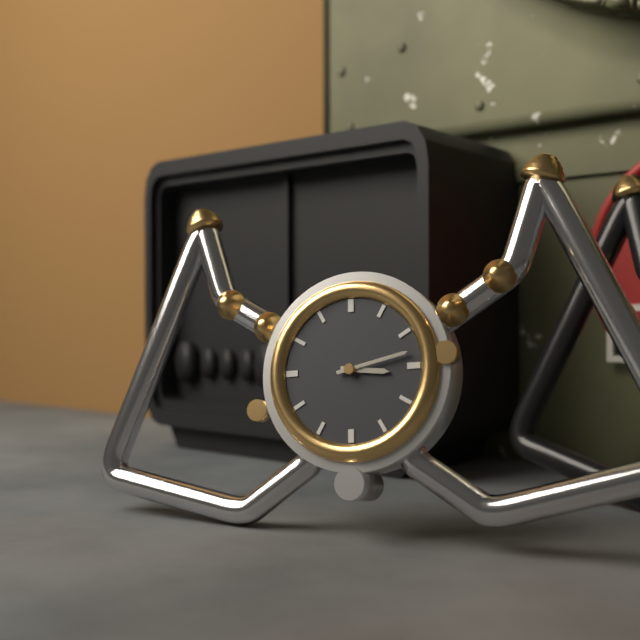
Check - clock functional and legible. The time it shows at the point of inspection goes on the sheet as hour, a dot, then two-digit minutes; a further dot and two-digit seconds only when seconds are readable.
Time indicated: 3.13
